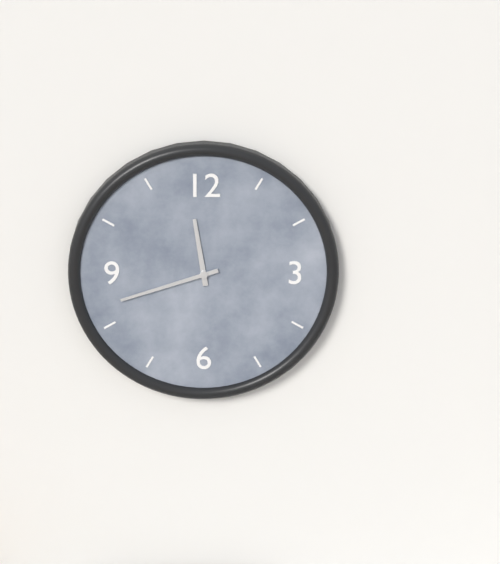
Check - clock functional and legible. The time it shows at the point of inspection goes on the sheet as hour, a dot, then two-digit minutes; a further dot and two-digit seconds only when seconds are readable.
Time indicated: 11.42
